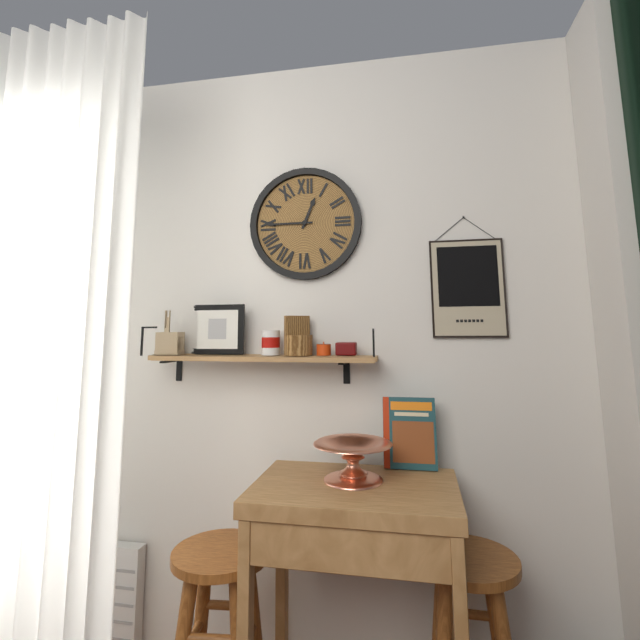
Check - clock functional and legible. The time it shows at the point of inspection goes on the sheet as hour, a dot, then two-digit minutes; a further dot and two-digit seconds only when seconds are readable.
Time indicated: 12.45
